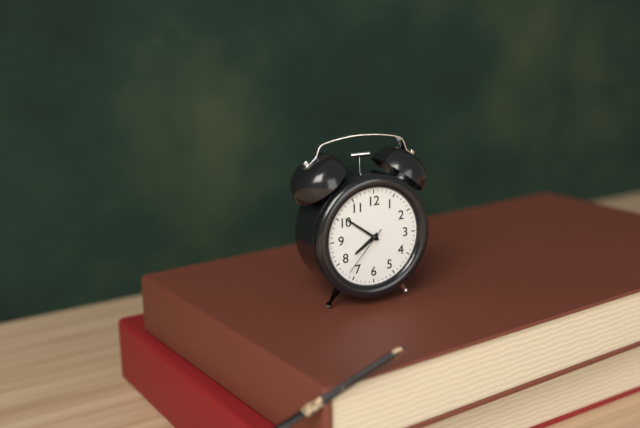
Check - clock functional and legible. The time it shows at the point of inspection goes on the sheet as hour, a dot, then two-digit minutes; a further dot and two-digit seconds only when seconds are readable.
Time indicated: 7.51.37
